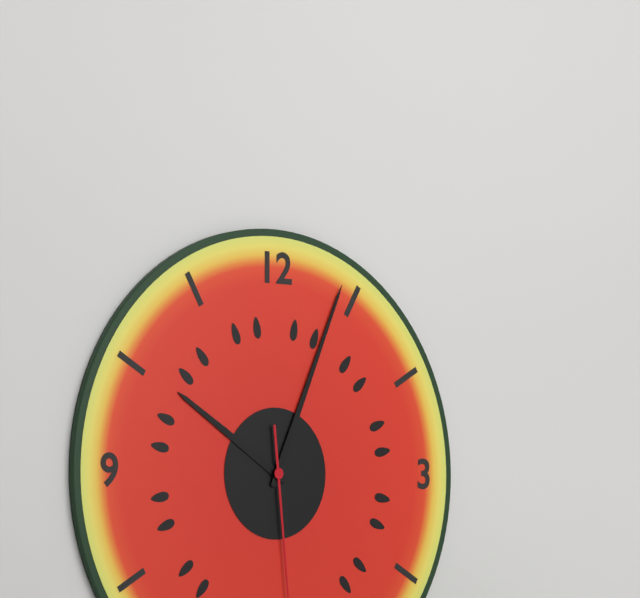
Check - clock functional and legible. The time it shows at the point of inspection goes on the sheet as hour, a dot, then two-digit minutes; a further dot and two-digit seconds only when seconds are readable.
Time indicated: 10.04
